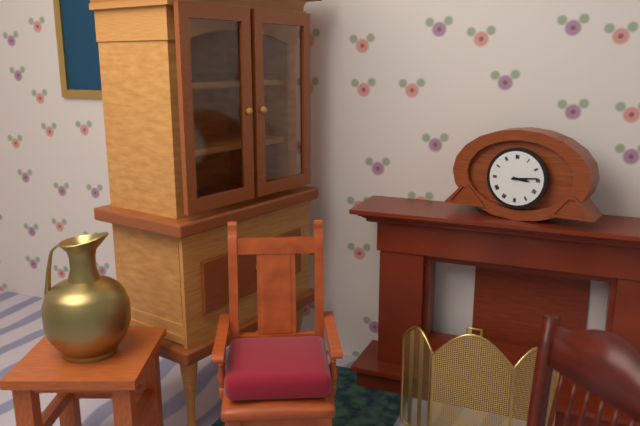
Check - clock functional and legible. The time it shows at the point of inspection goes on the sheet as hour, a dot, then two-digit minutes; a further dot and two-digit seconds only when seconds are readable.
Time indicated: 3.14
